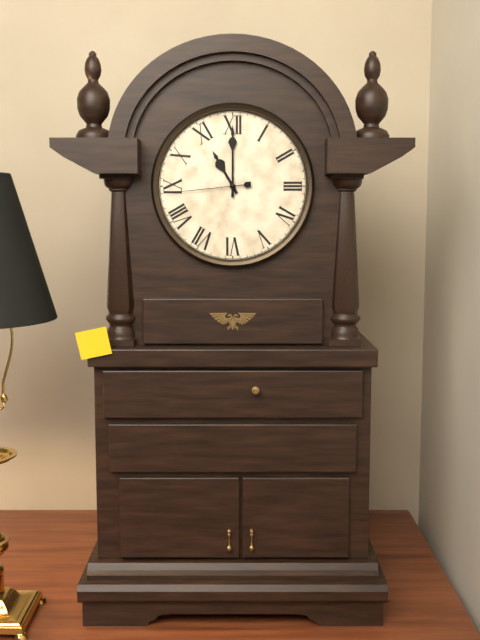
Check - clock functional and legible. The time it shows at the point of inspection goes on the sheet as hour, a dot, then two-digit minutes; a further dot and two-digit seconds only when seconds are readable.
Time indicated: 11.00.44
